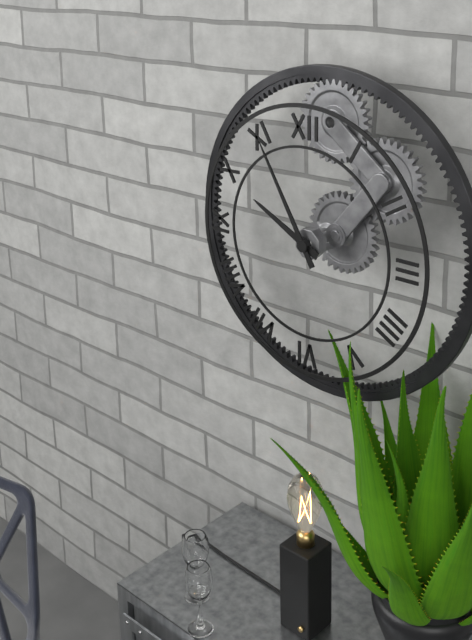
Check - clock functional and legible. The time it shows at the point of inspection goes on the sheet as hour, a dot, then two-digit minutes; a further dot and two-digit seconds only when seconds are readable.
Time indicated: 9.55
